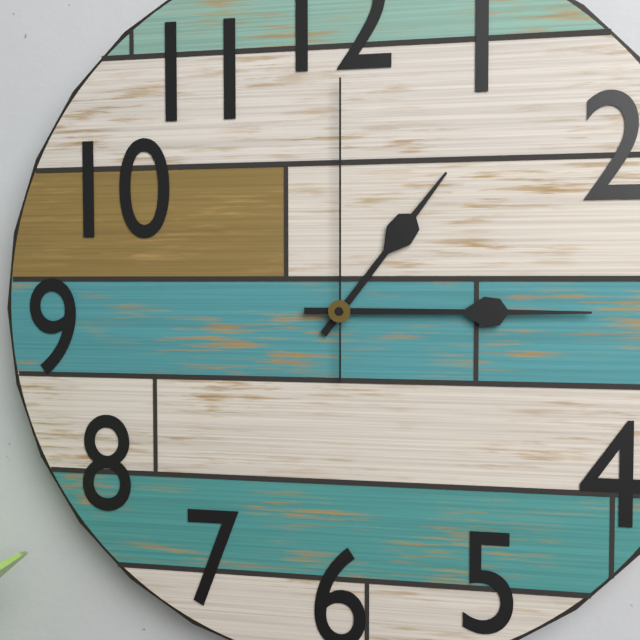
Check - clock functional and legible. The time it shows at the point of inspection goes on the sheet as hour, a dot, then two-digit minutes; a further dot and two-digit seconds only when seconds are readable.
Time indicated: 1.15.00
